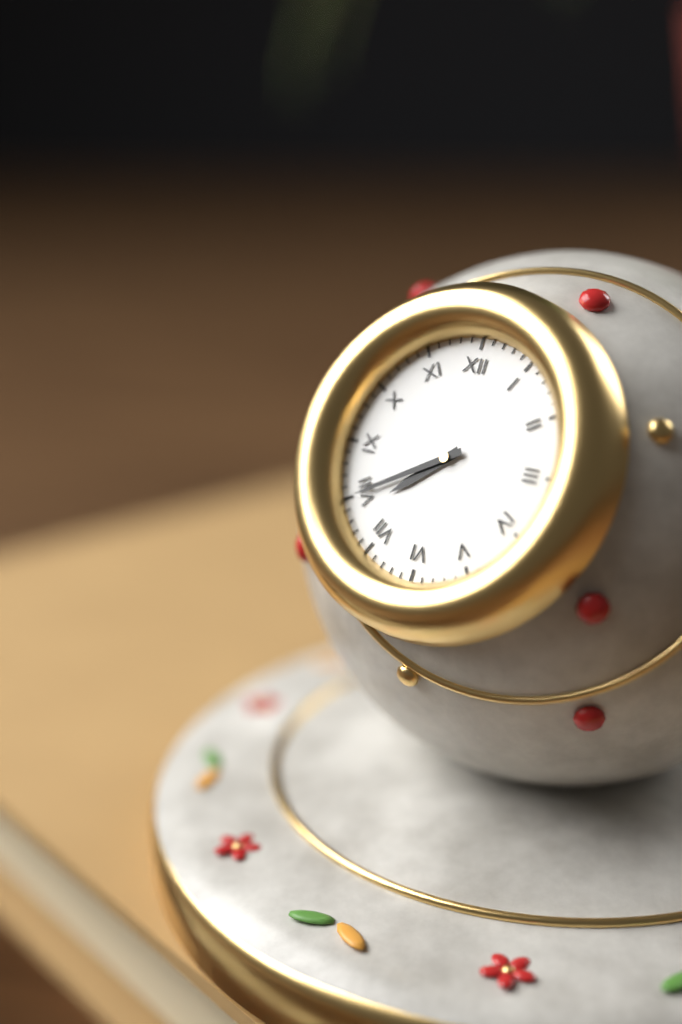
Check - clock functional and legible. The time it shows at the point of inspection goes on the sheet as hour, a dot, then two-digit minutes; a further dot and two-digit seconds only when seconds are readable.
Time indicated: 7.40
